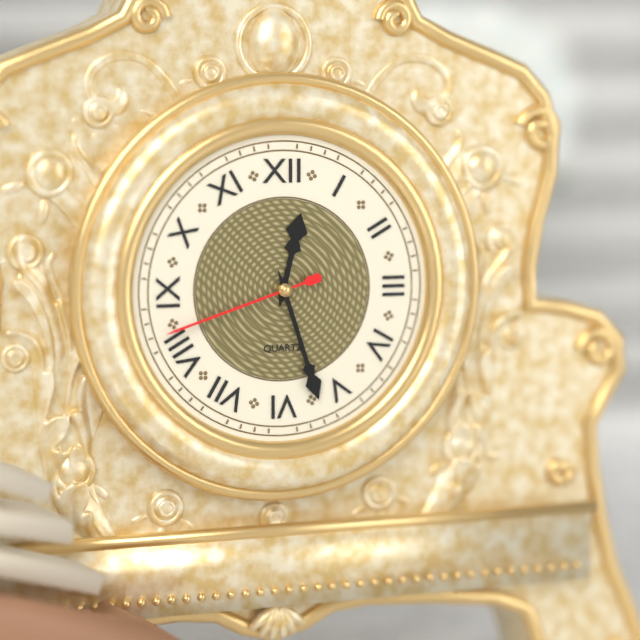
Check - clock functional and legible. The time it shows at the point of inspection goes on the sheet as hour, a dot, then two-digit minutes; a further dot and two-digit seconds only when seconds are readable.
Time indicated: 12.27.42
